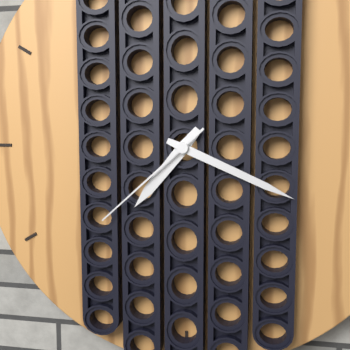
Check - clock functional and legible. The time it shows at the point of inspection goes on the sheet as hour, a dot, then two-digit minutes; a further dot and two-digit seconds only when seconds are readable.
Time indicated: 7.19.38
